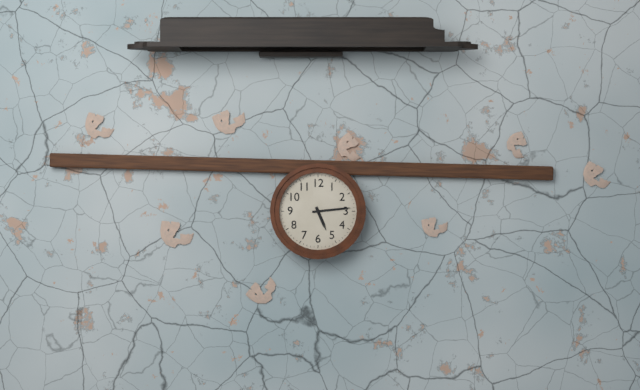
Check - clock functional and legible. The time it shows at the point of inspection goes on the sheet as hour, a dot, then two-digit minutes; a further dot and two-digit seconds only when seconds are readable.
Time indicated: 5.14
